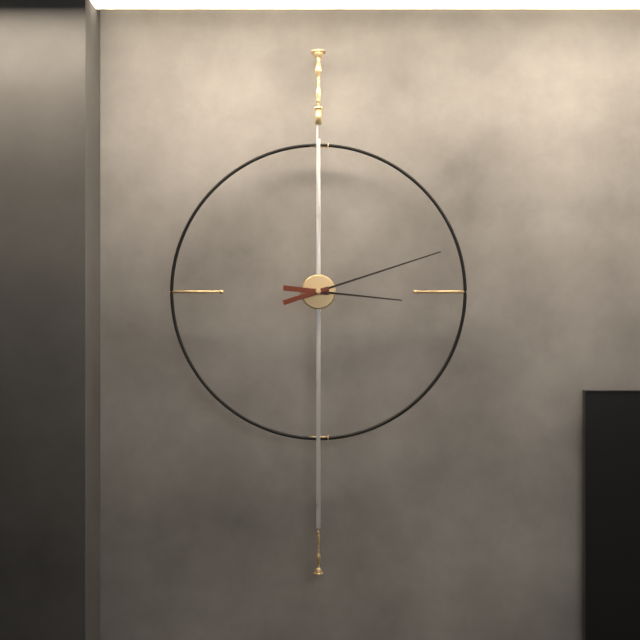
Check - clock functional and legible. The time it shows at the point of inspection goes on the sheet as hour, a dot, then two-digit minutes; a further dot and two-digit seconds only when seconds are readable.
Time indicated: 3.12
